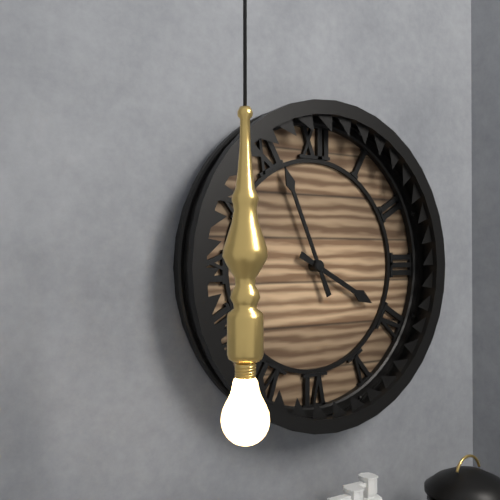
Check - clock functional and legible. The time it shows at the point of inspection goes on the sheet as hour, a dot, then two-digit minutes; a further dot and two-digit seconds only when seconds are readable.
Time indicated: 3.56
